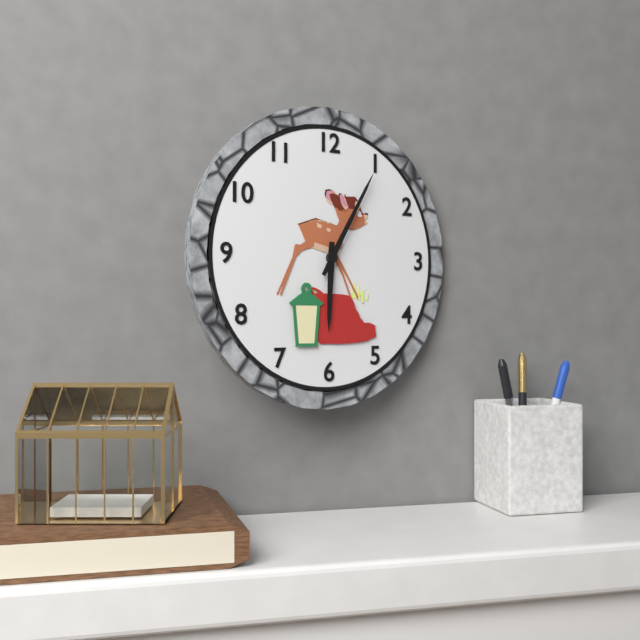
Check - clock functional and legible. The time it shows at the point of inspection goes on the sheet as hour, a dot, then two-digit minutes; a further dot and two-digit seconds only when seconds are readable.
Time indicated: 6.05
